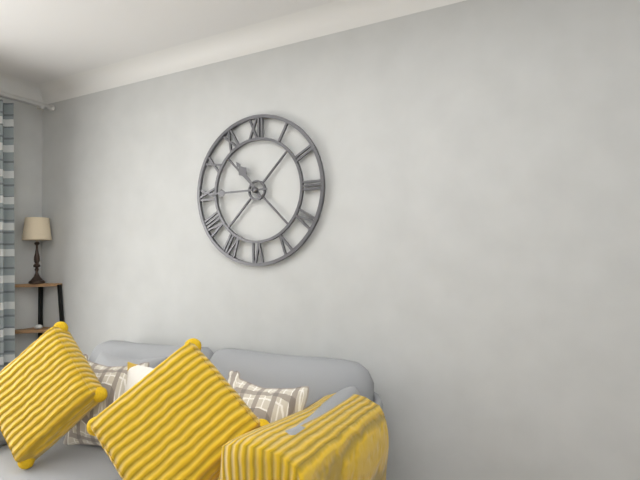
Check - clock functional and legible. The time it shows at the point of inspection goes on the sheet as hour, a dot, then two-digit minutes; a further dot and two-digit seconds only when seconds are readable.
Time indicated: 10.45
